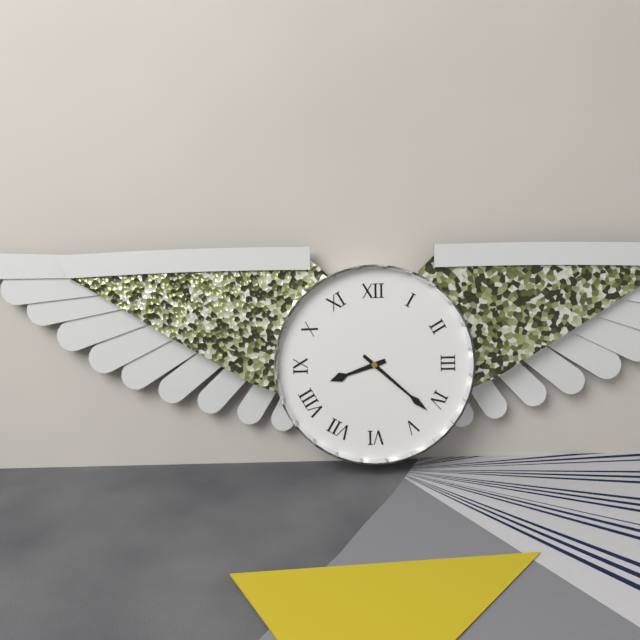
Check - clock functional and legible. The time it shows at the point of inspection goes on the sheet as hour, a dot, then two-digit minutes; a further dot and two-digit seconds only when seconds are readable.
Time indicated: 8.22
